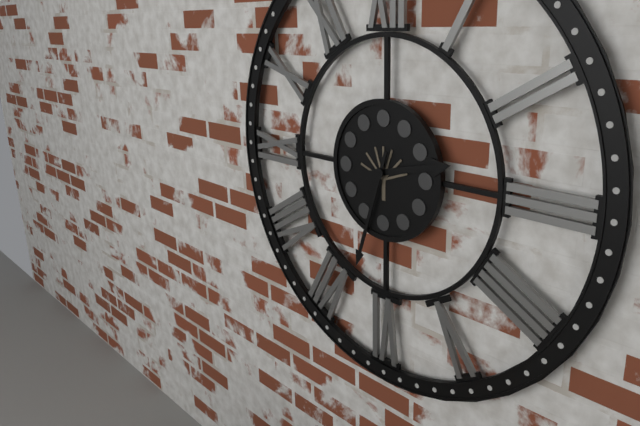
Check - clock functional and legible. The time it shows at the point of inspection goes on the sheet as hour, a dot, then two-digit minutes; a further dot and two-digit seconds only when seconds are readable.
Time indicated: 2.33
